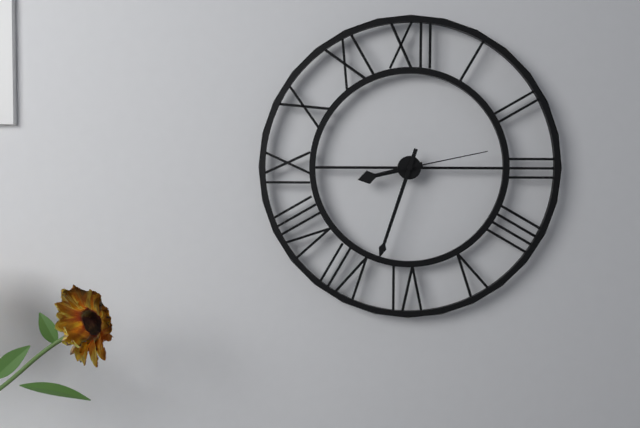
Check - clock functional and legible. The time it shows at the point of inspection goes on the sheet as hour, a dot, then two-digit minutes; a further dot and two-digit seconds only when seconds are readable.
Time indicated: 8.33.13
